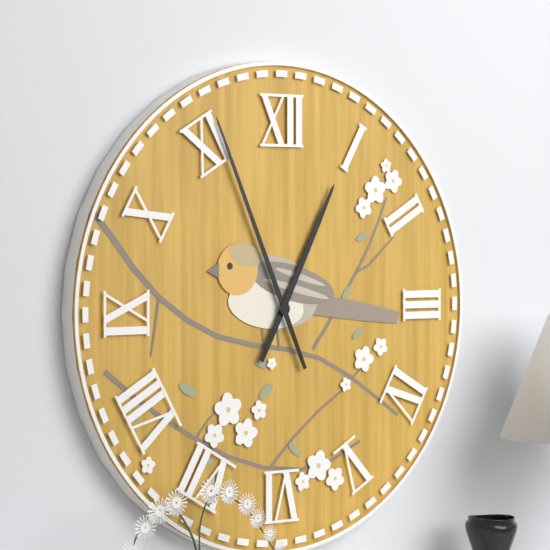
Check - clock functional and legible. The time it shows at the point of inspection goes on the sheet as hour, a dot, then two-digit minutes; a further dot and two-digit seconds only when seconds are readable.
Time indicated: 12.56
